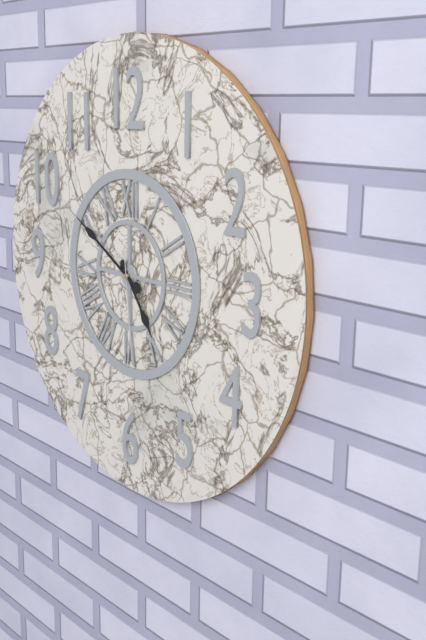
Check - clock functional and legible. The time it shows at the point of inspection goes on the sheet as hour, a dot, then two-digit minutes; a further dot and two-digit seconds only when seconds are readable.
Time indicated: 4.50.29
